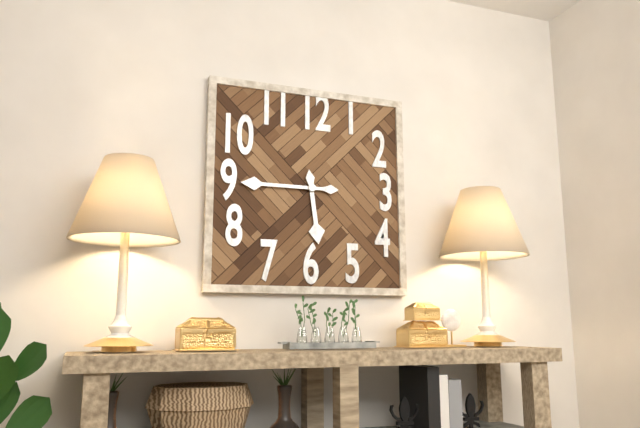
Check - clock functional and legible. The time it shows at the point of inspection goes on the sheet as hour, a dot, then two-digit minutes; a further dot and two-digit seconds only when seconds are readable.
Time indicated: 5.45
